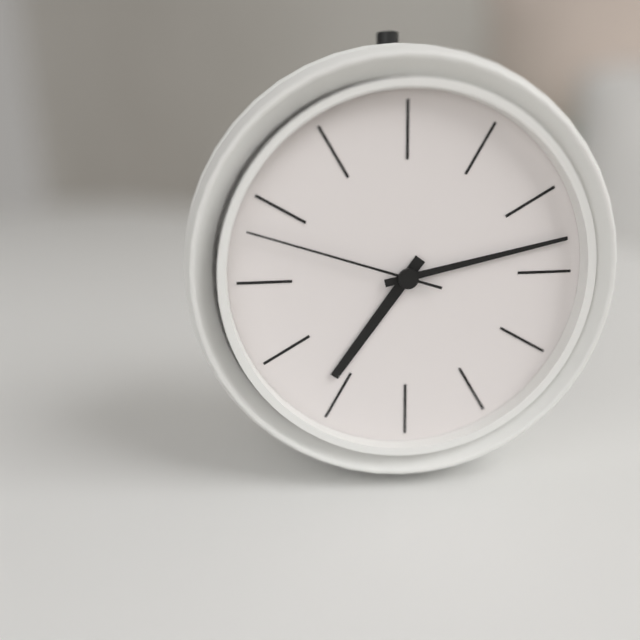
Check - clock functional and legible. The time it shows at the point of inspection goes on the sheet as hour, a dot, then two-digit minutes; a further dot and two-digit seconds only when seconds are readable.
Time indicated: 7.13.48
